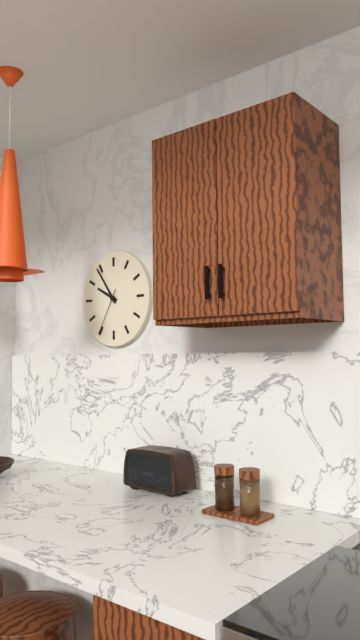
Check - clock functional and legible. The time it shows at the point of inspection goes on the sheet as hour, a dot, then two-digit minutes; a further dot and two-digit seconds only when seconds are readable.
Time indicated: 9.54.35
